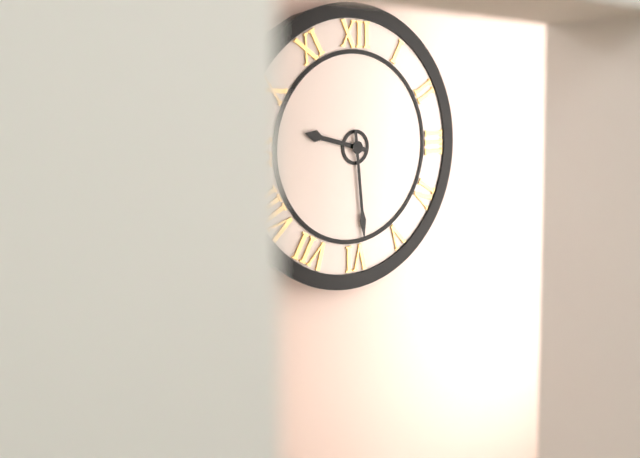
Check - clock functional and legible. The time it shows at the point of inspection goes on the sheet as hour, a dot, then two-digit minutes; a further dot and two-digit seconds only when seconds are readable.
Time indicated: 9.29
